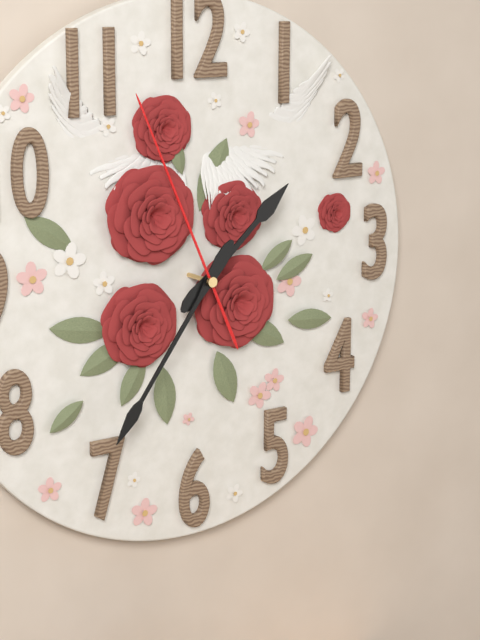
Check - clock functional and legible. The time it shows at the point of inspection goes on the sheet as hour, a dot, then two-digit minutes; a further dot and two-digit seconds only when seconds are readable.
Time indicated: 1.36.56
